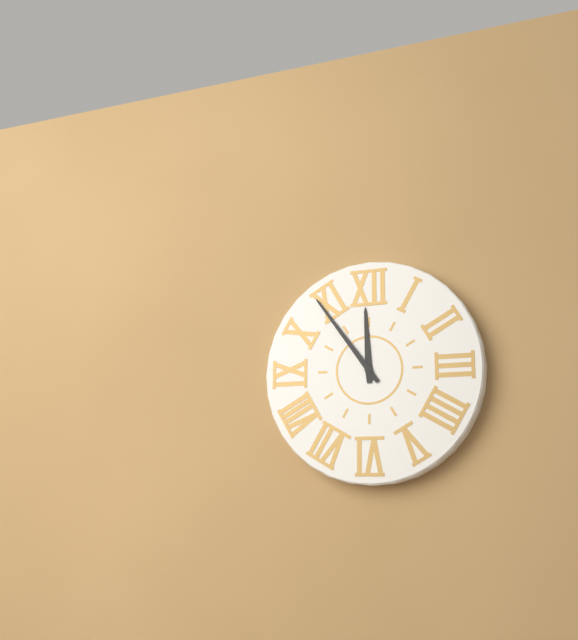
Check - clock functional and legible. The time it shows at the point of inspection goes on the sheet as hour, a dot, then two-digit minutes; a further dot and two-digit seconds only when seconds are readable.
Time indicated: 11.54
